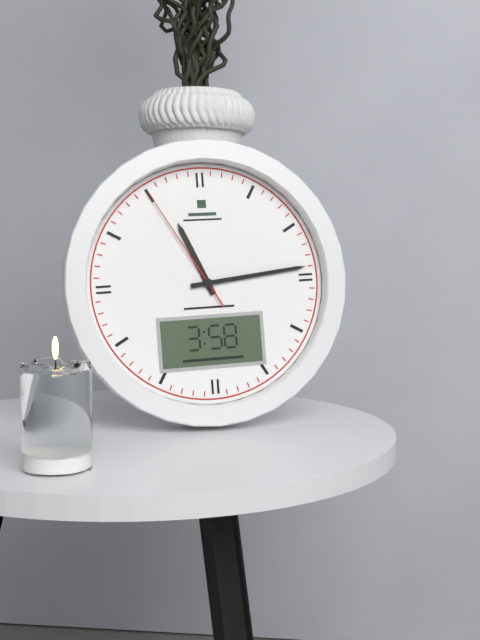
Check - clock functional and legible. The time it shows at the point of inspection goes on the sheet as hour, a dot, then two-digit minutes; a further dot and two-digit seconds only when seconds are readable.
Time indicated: 11.14.55
